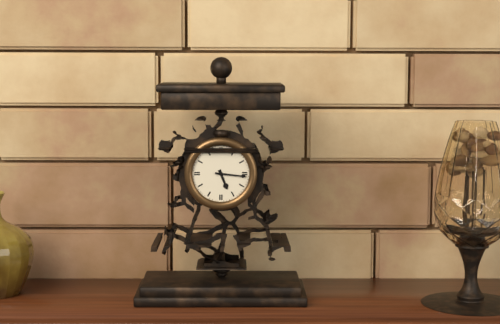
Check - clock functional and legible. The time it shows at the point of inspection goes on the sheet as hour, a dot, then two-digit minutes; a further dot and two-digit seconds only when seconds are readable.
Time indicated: 5.16
